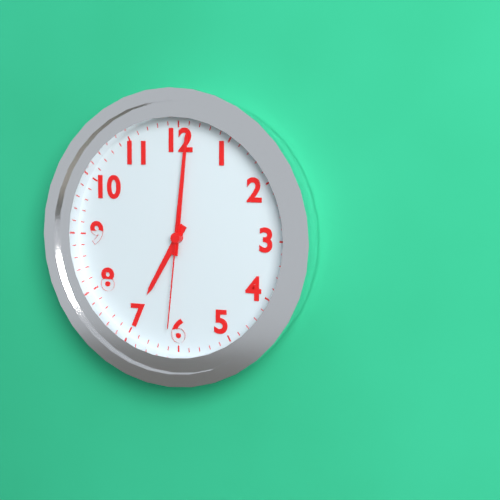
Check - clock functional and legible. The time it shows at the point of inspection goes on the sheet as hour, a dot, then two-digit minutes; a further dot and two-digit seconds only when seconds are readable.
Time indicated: 7.01.31
